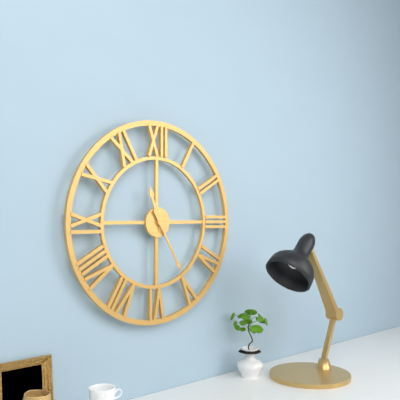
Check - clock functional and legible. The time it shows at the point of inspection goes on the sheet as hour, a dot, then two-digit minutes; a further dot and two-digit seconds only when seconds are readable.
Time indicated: 11.25
